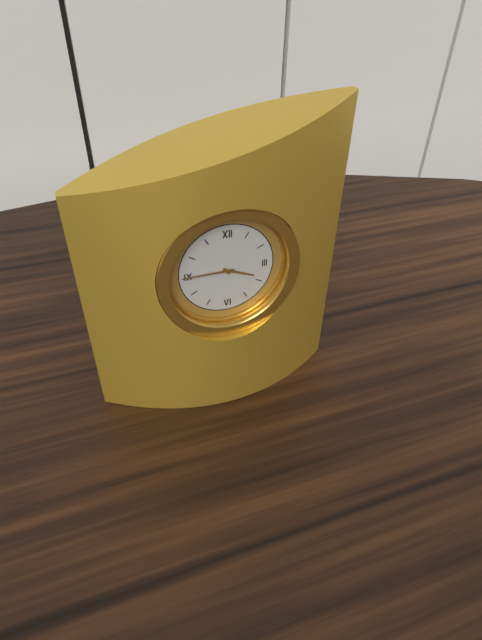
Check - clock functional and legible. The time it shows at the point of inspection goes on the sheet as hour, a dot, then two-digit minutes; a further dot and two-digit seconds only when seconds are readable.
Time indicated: 3.45
